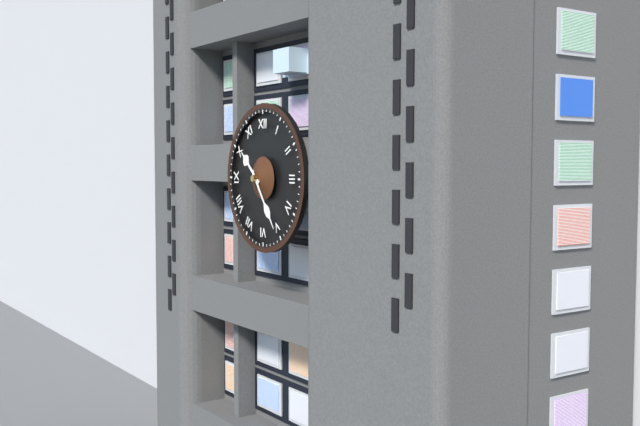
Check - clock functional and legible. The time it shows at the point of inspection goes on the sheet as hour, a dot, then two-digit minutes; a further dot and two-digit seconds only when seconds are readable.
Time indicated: 10.24
